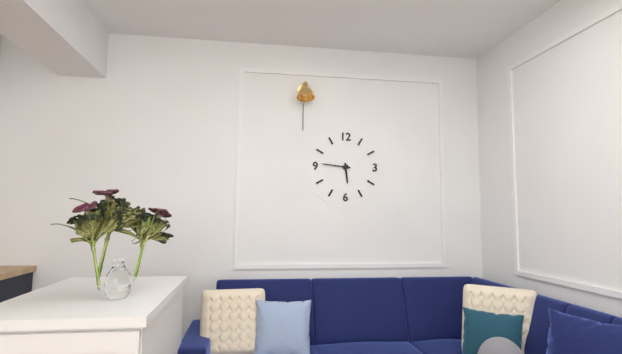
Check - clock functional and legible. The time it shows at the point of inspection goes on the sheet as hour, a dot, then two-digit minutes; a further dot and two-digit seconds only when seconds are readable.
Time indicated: 5.46
